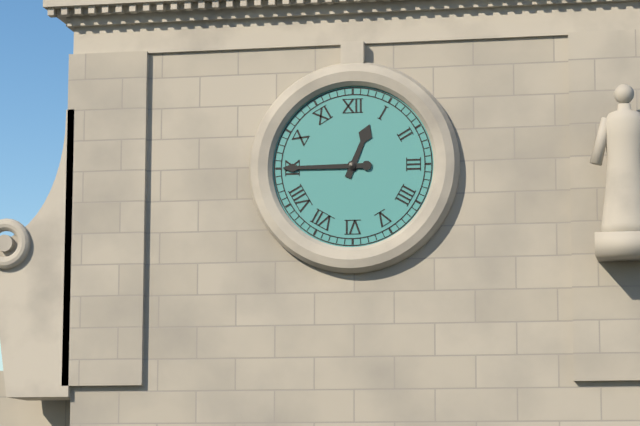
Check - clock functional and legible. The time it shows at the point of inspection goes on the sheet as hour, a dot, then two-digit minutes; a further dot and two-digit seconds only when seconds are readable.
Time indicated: 12.45
